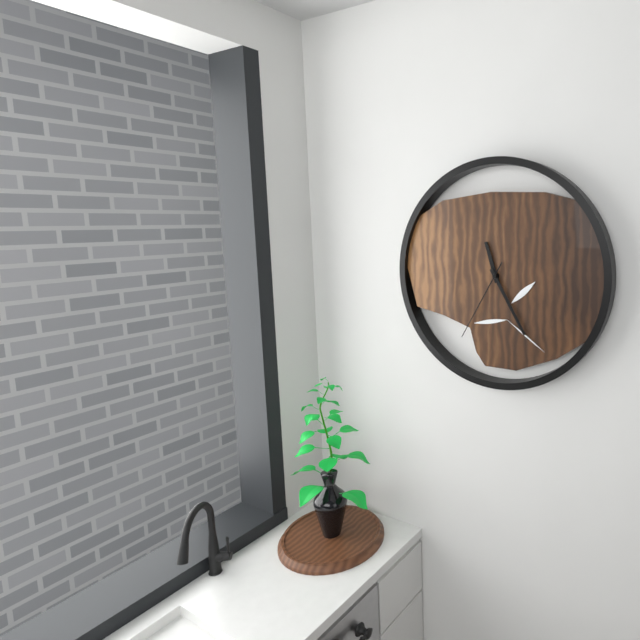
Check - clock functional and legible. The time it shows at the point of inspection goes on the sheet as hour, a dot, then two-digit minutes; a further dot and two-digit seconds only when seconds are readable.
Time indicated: 11.25.35
